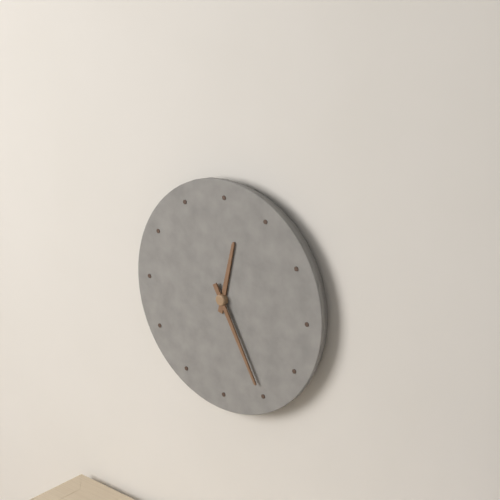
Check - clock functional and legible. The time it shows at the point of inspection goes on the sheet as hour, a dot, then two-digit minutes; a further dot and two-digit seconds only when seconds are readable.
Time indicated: 12.25
